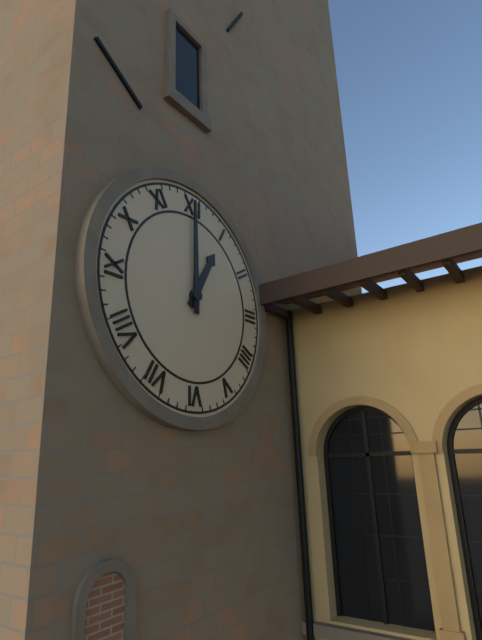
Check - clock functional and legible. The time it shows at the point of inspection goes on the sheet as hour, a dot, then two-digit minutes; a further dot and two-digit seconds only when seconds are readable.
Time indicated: 1.00
